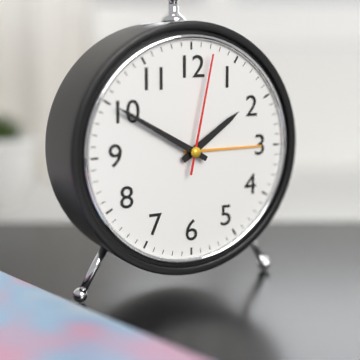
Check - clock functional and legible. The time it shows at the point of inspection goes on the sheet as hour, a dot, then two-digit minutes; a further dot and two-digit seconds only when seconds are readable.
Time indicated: 1.50.02
